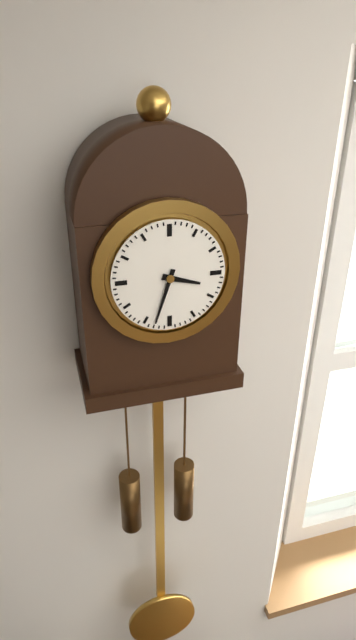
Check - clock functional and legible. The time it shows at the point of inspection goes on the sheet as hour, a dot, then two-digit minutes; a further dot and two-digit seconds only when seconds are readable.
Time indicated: 3.33
